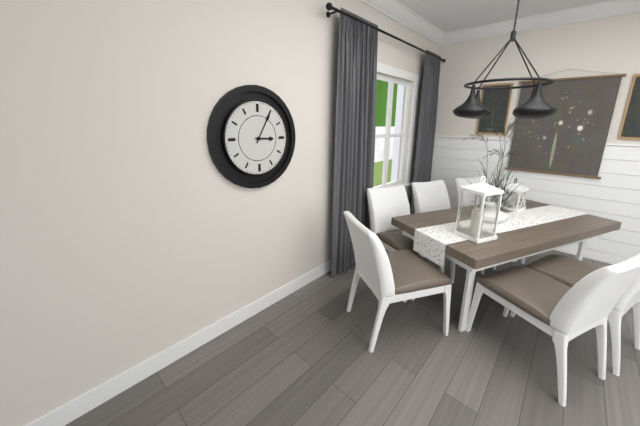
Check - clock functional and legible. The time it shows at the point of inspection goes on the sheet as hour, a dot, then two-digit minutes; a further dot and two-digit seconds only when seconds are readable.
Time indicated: 3.05
